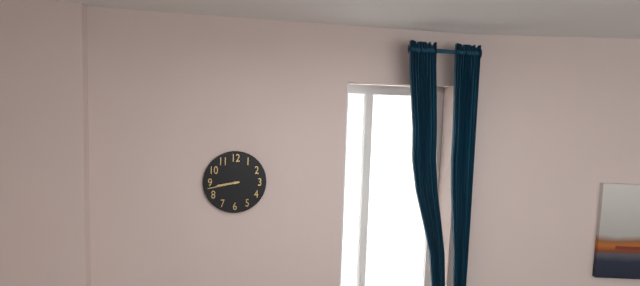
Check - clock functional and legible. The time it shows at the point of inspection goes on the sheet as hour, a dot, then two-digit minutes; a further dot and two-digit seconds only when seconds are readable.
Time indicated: 8.43
